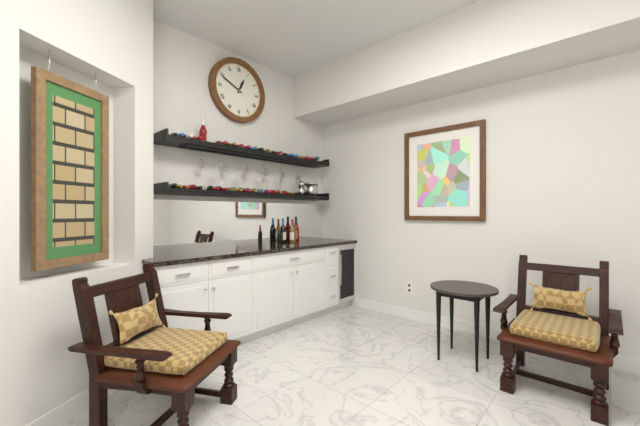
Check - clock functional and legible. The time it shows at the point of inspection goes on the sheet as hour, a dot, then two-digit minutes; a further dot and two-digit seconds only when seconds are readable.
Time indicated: 12.49
